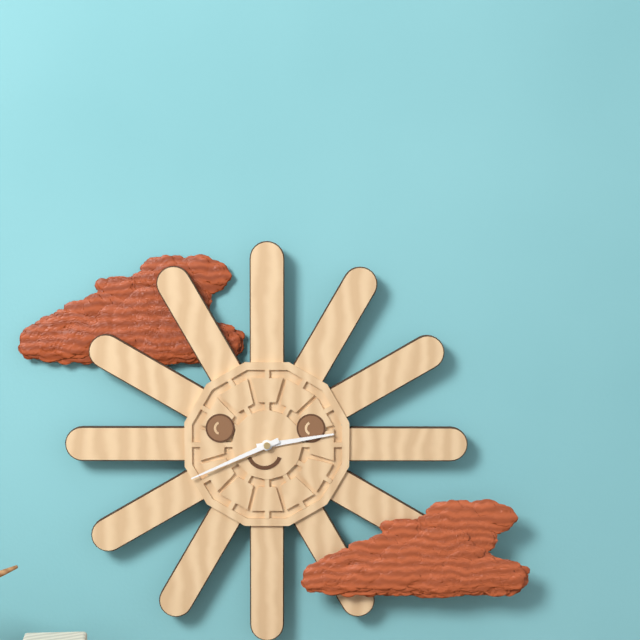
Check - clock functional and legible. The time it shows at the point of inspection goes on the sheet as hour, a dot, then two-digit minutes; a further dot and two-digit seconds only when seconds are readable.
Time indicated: 2.41
